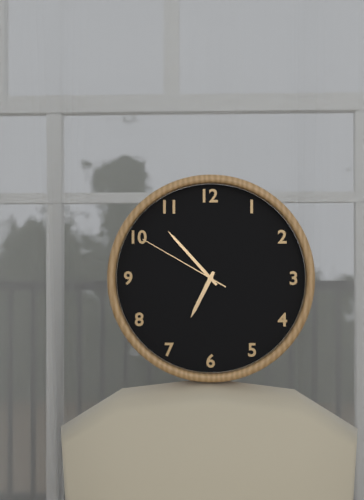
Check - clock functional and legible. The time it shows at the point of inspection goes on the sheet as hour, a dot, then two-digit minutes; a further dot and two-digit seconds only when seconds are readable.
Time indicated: 6.53.50
